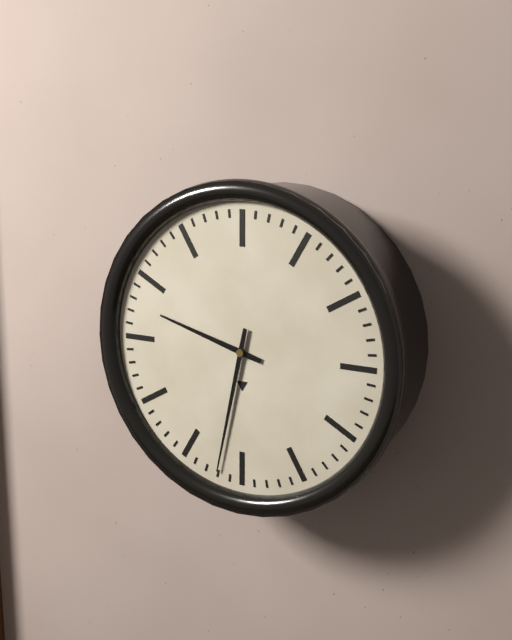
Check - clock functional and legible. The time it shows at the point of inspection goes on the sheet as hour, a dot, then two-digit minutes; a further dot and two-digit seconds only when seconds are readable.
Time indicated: 9.32
